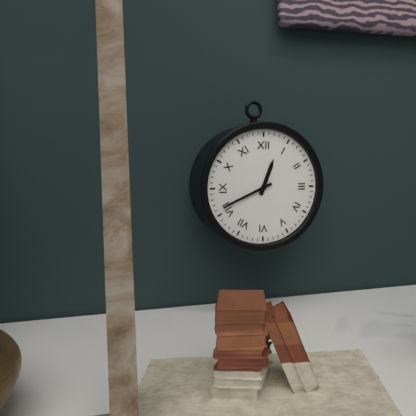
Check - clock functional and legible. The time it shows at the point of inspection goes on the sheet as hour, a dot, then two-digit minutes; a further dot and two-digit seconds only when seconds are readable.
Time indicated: 12.41
